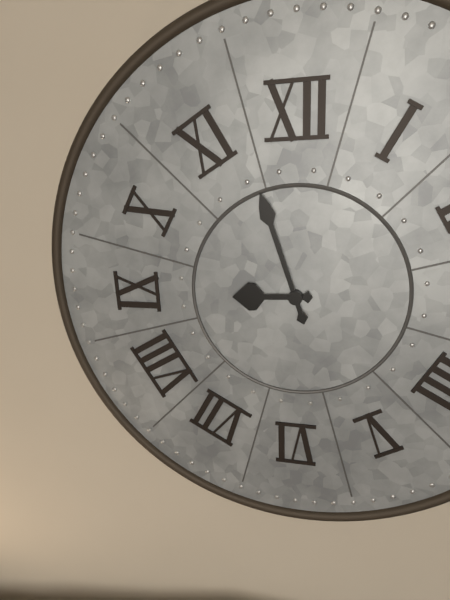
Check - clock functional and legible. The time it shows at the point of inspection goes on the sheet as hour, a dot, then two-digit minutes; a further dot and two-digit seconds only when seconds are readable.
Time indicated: 8.57
